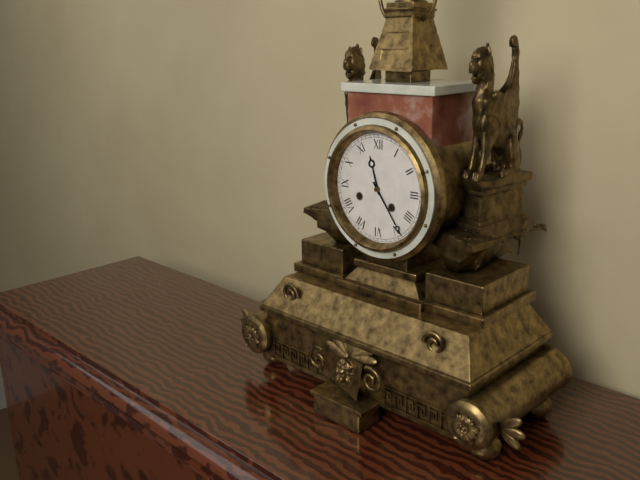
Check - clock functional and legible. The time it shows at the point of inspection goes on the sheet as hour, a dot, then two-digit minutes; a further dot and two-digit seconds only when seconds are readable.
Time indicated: 11.24
